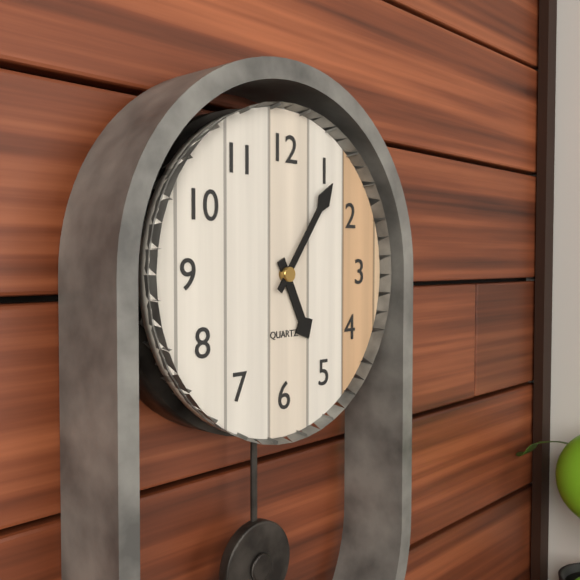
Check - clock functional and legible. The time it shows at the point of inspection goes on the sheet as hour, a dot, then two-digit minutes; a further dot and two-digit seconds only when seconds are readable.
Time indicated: 5.06
